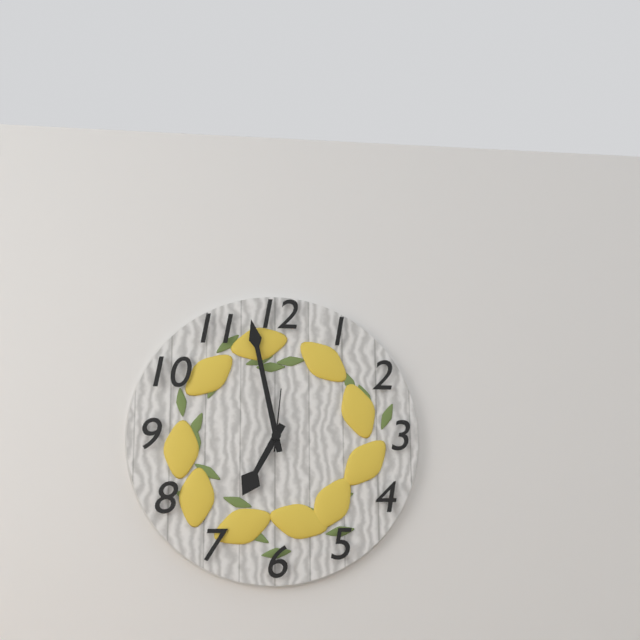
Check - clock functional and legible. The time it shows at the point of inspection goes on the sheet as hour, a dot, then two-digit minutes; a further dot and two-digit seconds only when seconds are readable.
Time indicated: 6.58.01
